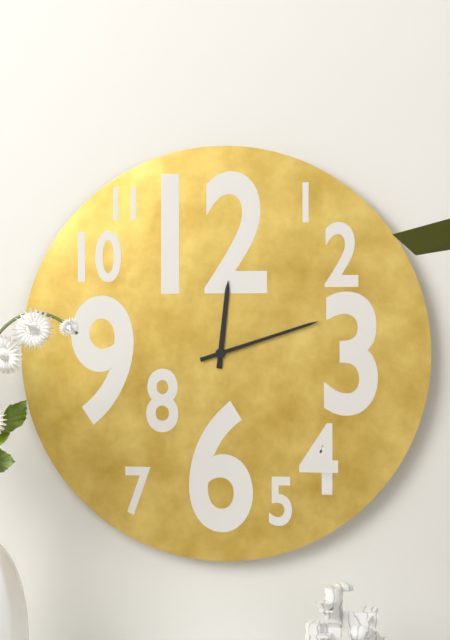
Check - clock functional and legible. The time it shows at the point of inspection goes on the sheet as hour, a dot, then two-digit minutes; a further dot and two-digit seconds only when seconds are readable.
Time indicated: 12.12
